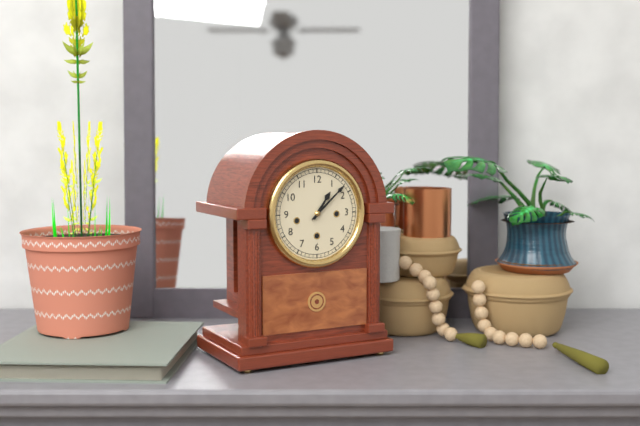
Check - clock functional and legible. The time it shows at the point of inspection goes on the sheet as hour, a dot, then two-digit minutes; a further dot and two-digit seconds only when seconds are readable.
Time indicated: 1.08
